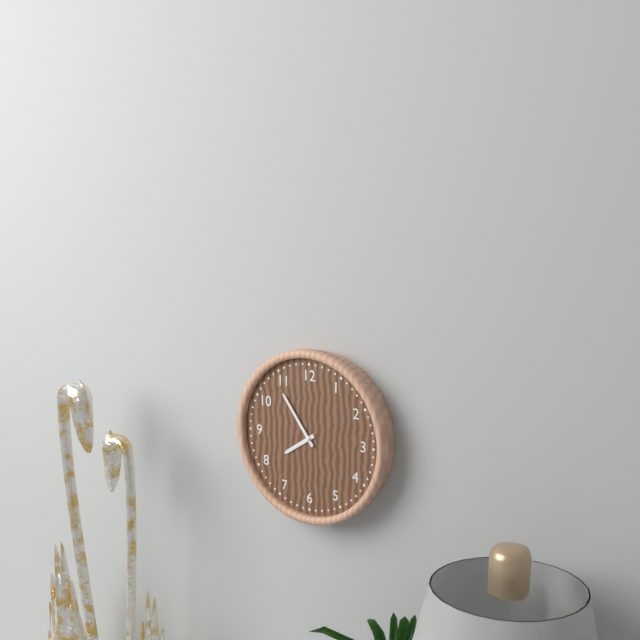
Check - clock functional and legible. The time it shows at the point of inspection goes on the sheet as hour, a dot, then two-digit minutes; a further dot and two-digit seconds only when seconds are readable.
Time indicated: 7.54
